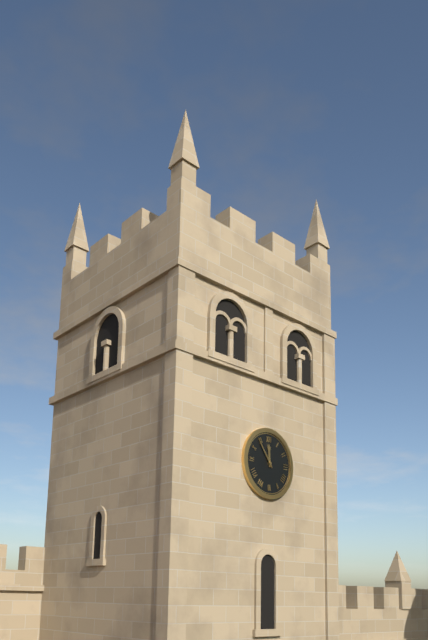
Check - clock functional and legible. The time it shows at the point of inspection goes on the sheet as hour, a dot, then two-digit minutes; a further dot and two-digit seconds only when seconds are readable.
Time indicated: 11.54
